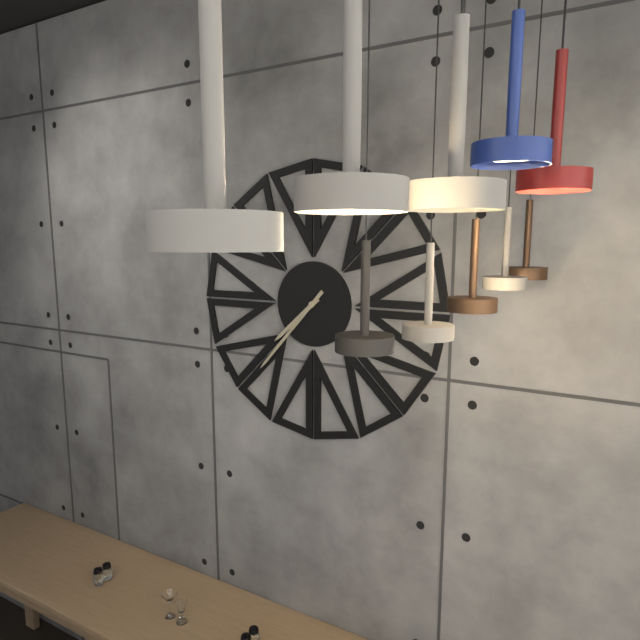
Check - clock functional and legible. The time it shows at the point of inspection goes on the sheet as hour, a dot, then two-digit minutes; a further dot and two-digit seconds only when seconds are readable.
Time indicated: 7.37
